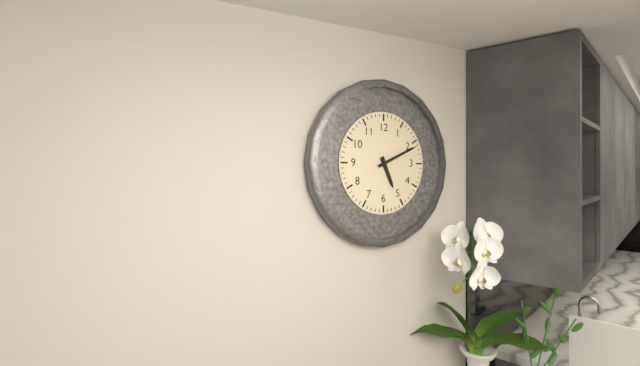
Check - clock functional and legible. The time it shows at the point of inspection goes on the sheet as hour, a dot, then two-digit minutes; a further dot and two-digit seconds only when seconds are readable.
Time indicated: 5.11
